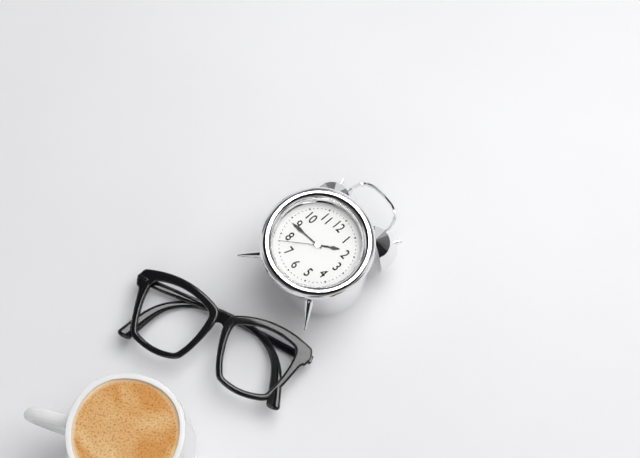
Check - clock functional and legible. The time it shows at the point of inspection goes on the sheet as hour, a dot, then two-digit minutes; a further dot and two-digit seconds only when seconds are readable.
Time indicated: 1.44
